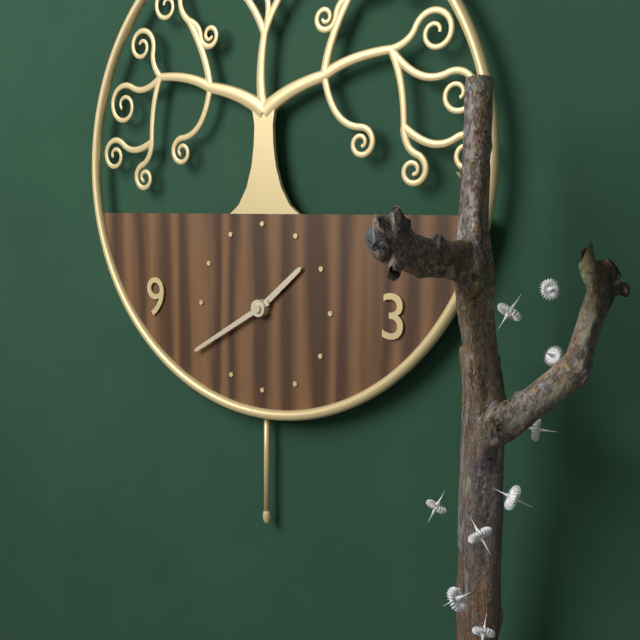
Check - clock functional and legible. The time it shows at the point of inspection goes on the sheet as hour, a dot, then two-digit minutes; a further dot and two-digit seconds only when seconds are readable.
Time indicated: 1.40
